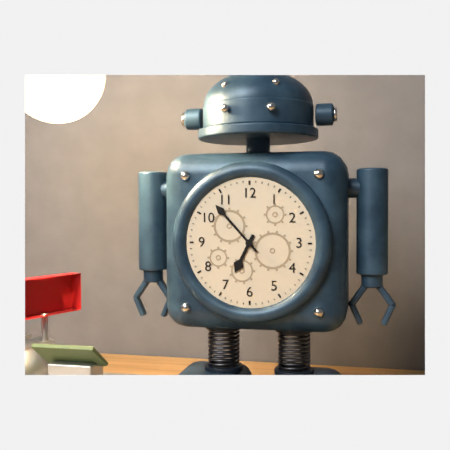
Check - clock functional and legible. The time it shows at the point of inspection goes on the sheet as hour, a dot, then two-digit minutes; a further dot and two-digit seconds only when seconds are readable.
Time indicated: 6.53
